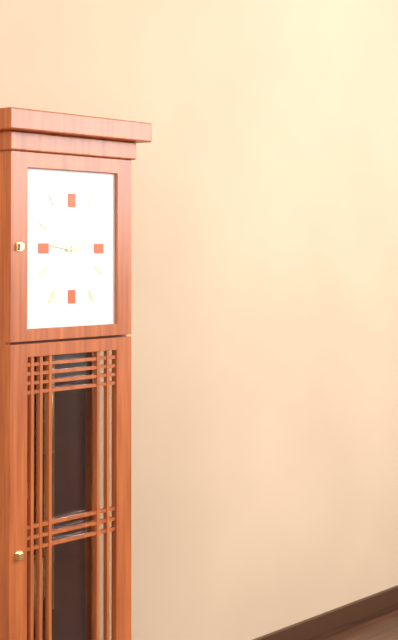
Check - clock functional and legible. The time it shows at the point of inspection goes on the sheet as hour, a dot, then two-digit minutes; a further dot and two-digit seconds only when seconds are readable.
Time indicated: 9.13
